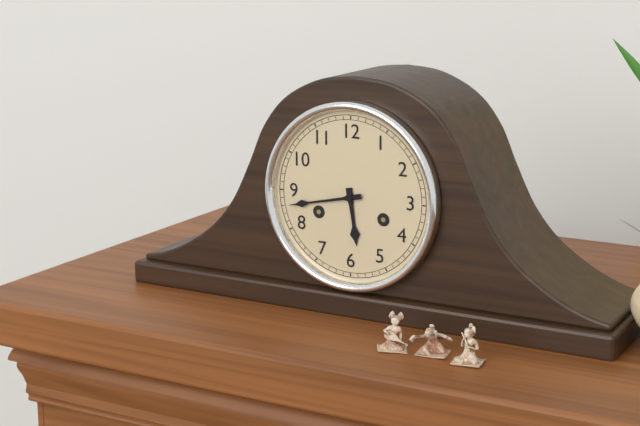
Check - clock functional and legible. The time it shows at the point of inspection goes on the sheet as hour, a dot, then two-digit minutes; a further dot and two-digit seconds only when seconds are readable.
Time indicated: 5.43
